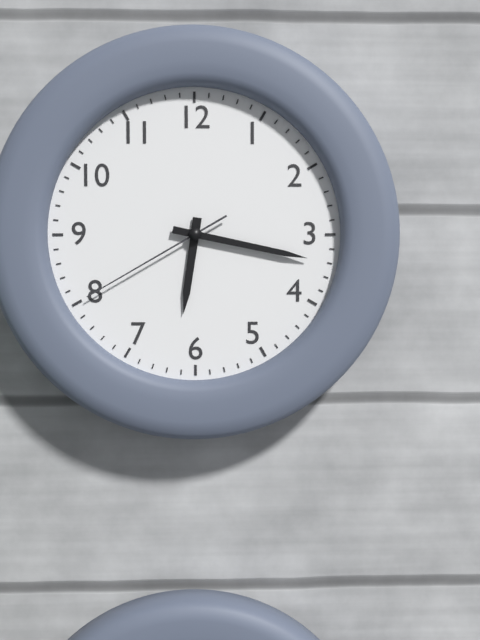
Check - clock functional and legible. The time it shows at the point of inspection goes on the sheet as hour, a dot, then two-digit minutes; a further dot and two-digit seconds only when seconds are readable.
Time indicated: 6.17.40
